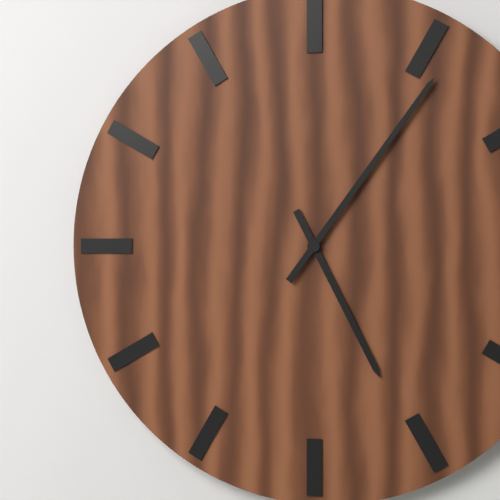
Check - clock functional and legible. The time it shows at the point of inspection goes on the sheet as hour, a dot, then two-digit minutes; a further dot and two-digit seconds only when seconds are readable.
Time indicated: 5.06
